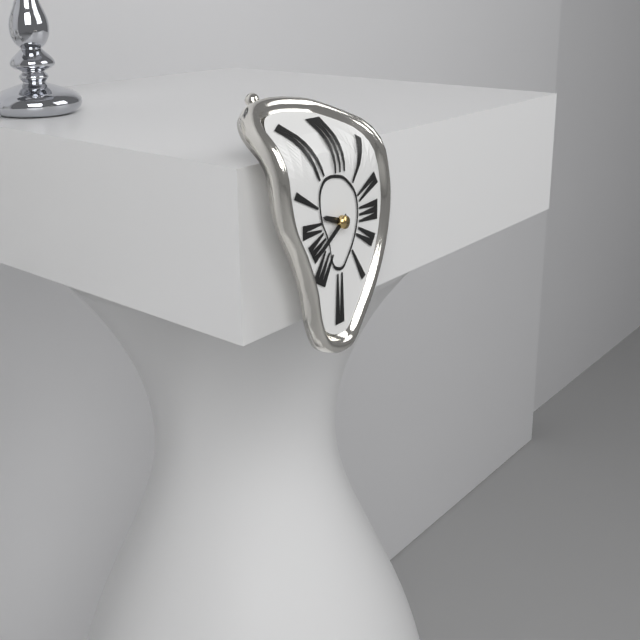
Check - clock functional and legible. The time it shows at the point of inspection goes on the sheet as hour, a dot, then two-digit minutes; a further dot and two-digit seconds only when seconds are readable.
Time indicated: 9.39
